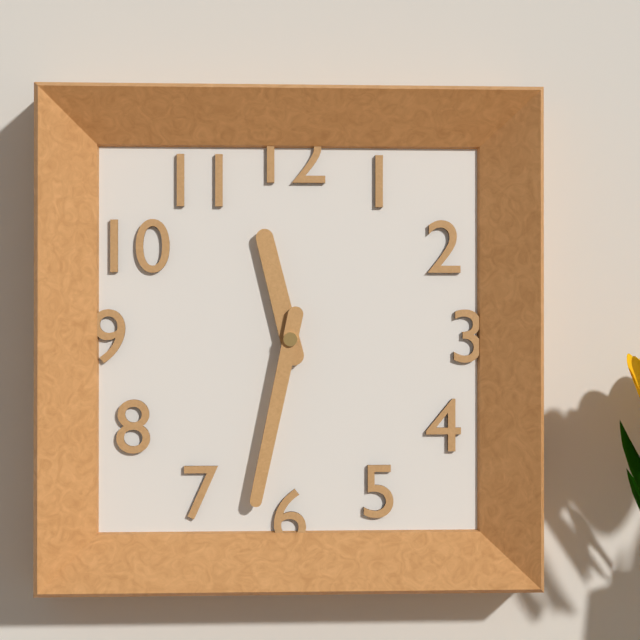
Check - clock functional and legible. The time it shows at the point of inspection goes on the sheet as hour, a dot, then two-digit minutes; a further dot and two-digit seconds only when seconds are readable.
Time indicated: 11.32
